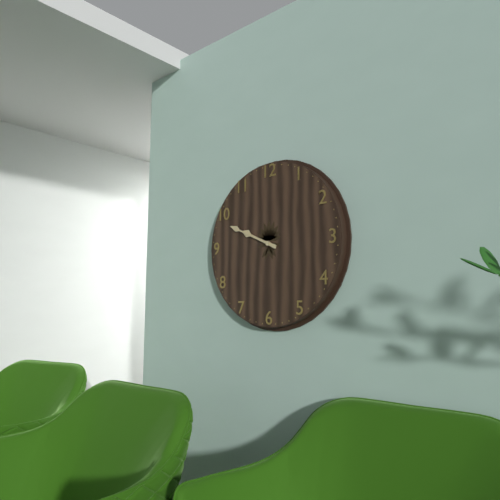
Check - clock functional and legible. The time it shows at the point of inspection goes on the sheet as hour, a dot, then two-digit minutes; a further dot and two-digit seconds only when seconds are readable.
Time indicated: 9.49
